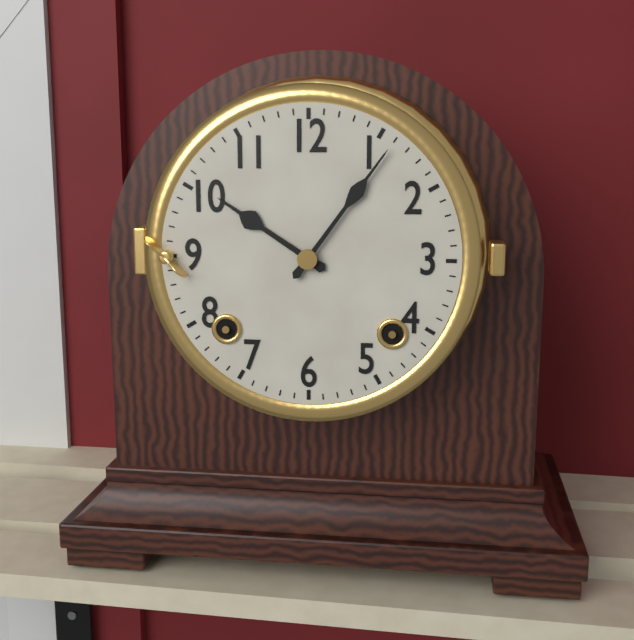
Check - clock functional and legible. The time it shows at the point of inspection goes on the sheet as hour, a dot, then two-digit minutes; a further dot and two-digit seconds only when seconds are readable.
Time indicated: 10.06
